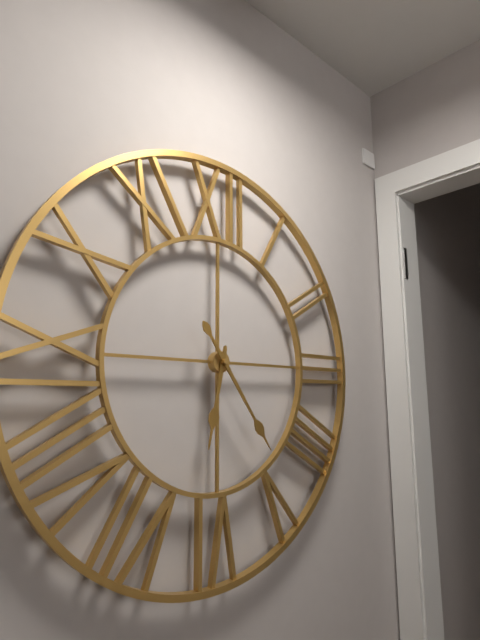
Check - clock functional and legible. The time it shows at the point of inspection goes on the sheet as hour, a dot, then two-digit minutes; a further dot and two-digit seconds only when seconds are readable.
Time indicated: 6.24
